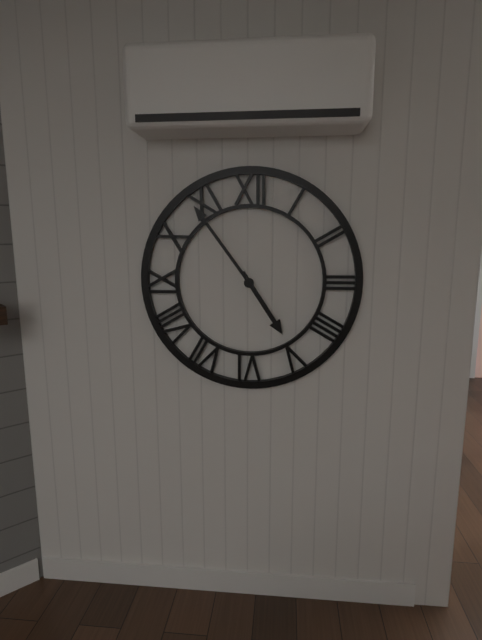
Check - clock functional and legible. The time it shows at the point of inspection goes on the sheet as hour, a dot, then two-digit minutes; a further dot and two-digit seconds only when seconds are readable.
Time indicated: 4.54
